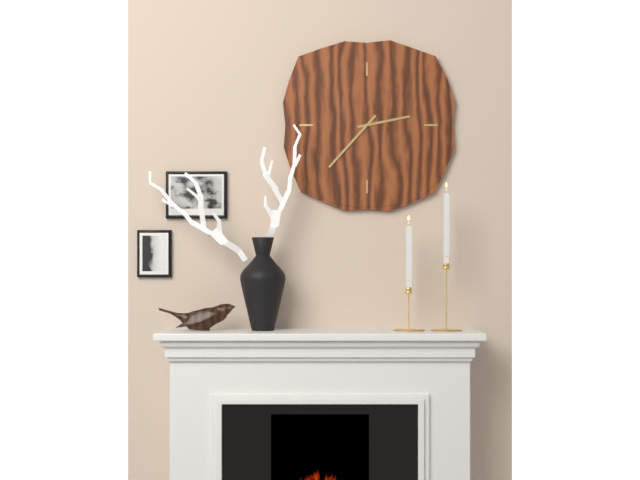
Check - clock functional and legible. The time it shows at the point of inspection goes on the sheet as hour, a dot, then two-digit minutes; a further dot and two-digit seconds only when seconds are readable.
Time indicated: 2.37
